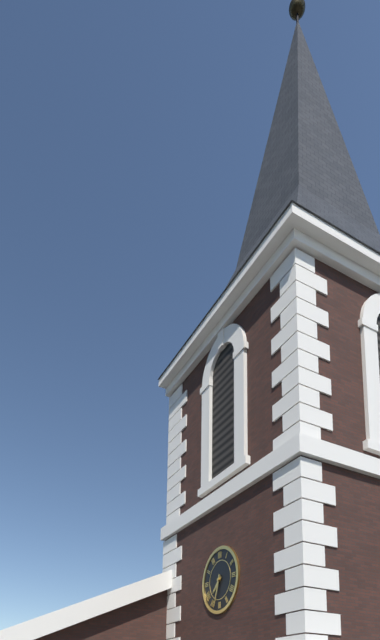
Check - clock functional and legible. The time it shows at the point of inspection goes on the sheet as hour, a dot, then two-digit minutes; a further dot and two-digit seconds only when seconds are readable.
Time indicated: 7.33
